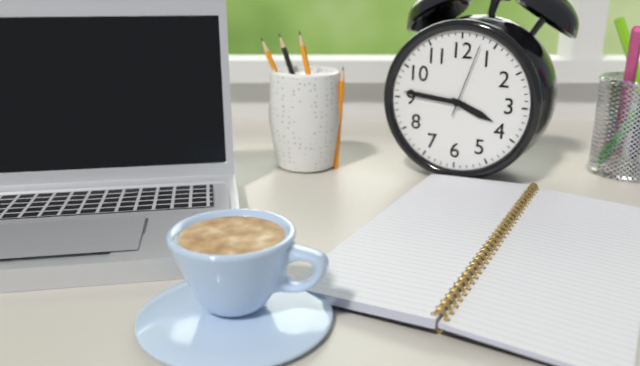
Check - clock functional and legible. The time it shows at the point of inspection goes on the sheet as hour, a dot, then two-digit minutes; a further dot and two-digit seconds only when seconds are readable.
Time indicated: 3.46.03
